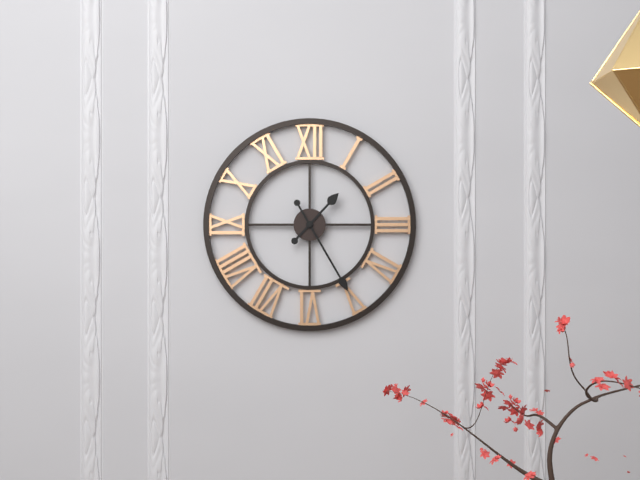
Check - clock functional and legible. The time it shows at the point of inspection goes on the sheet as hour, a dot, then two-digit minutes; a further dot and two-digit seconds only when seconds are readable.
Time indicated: 1.25
